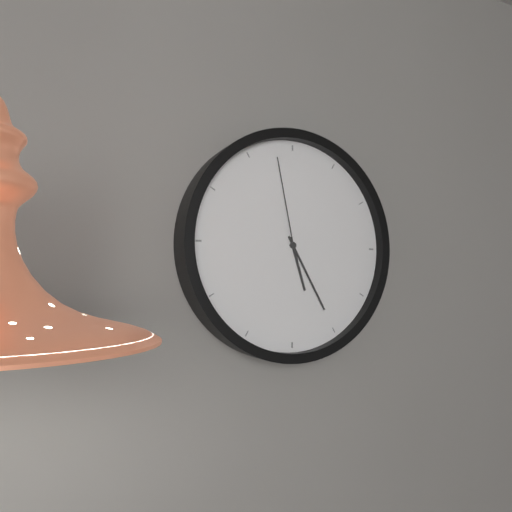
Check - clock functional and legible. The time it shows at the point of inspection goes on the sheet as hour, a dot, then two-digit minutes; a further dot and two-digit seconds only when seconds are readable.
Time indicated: 5.25.58
